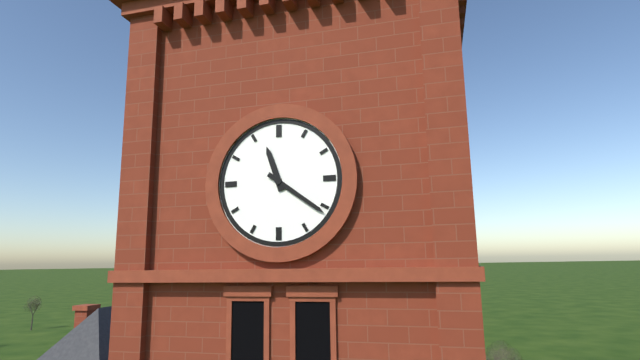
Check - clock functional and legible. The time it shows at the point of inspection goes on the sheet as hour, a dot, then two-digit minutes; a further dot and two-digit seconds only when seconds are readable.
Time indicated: 11.21
